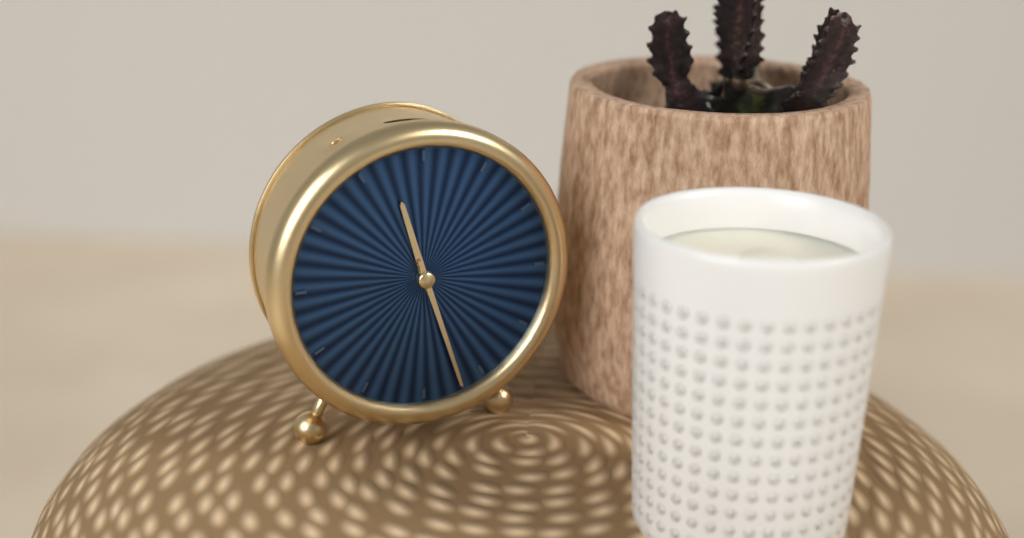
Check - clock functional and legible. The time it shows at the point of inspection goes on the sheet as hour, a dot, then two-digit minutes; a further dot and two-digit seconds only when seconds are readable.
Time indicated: 11.27
